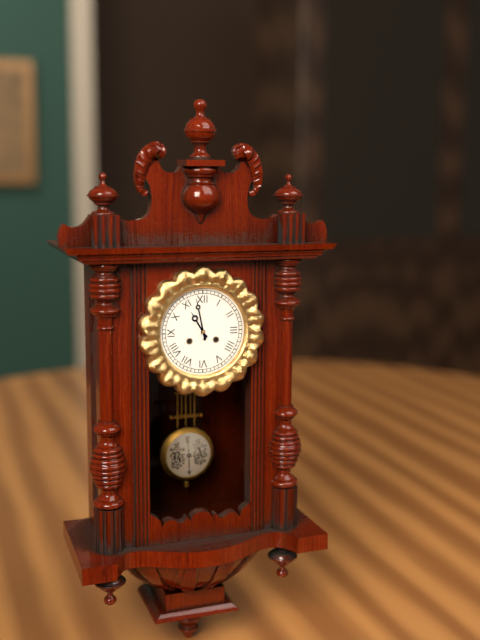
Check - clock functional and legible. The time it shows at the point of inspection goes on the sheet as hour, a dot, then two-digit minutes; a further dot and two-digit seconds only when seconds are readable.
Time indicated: 10.58
